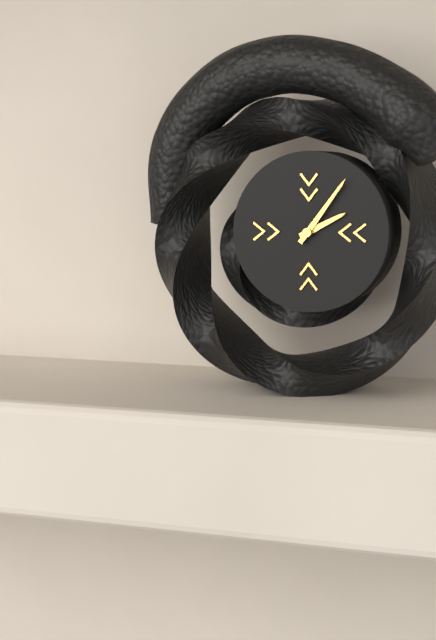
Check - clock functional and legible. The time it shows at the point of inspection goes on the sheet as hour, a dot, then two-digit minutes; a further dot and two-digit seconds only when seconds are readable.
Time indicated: 2.06
